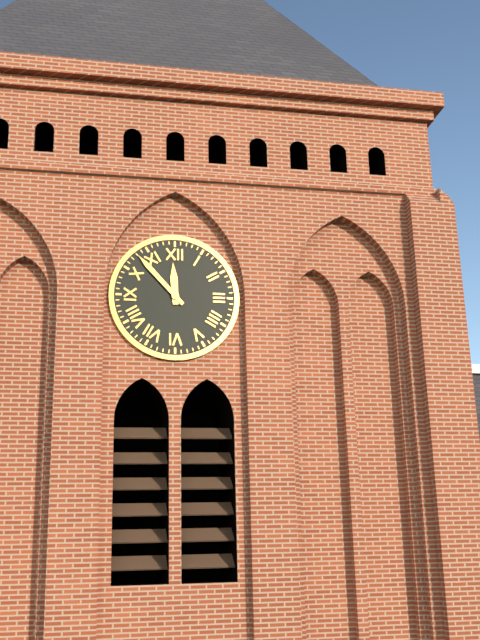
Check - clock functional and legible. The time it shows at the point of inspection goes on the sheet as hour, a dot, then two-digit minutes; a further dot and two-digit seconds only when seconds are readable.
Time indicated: 11.53
